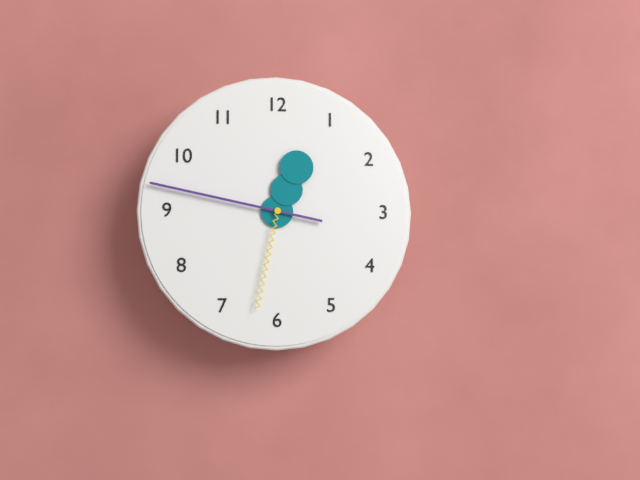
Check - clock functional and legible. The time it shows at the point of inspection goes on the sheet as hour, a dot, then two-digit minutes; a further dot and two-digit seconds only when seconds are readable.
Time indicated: 12.47.32
